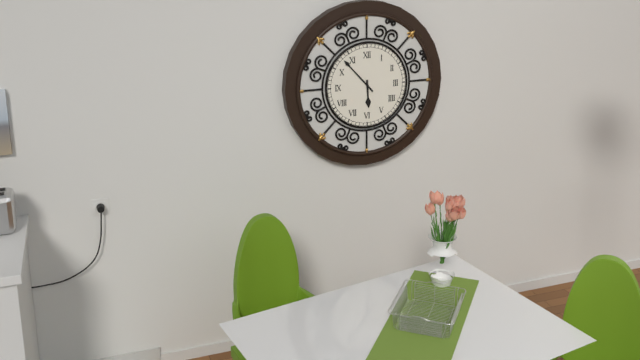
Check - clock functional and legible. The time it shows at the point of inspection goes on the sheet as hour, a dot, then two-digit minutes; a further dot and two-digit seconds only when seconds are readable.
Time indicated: 5.53
